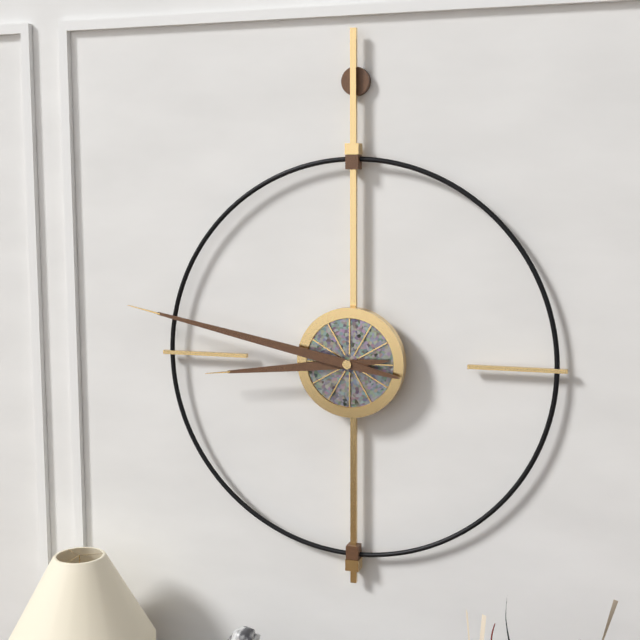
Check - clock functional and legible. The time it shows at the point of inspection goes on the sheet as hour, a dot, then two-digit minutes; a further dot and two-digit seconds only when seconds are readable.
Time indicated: 8.47
